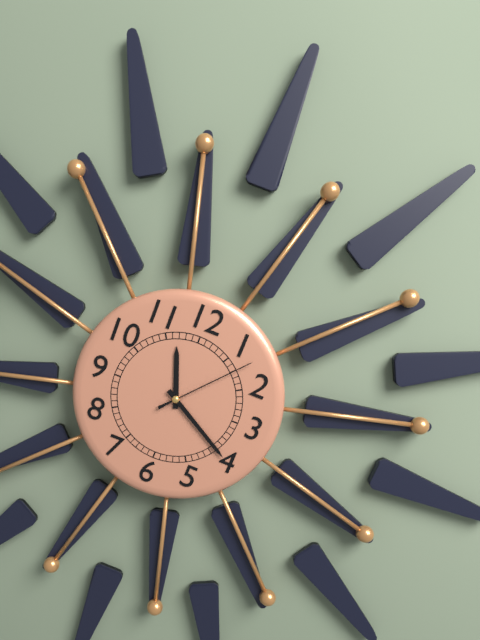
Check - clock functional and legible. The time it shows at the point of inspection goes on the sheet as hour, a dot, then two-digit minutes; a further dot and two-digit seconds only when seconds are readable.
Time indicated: 11.20.07
